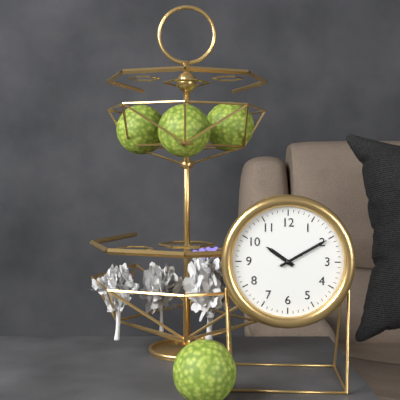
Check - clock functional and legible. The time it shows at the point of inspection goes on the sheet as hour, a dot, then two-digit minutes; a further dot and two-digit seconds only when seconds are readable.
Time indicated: 10.10
